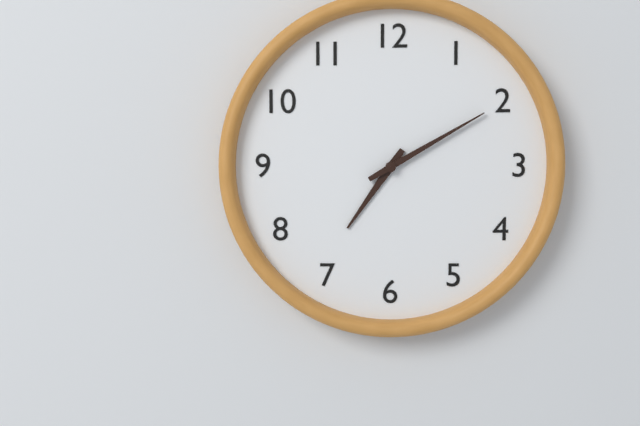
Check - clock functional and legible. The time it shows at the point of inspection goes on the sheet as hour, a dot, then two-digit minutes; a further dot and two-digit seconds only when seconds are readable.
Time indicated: 7.10
